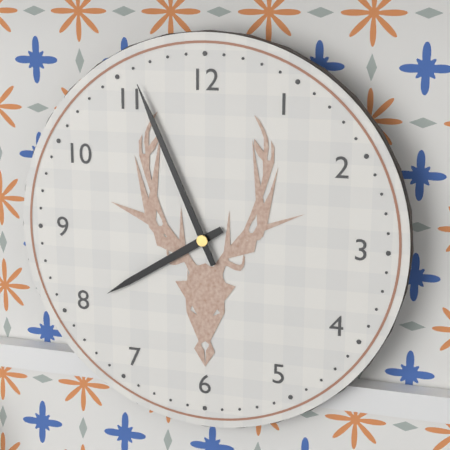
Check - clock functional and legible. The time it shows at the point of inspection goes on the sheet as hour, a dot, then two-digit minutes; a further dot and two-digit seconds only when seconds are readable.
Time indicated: 7.56
